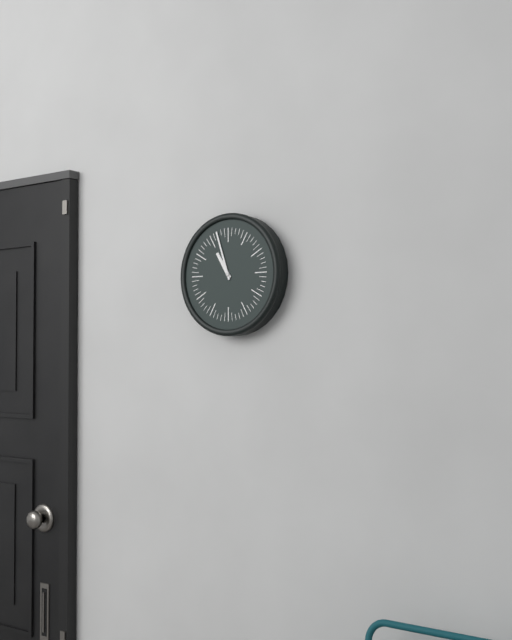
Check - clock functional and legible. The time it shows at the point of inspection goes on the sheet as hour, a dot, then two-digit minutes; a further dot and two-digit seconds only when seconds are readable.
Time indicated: 10.57
